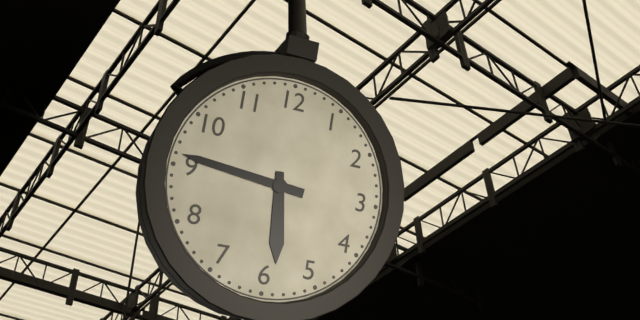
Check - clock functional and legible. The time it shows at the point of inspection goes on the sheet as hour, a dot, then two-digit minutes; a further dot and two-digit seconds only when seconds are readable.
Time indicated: 5.46
